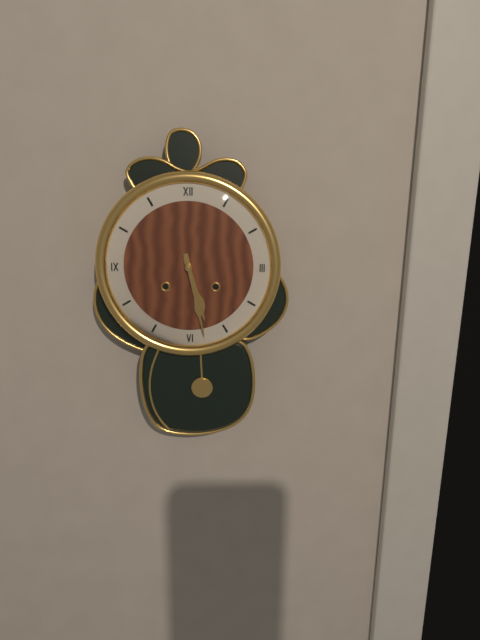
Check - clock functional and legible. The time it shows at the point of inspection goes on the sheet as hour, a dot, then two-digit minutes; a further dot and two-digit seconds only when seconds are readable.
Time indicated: 5.28
